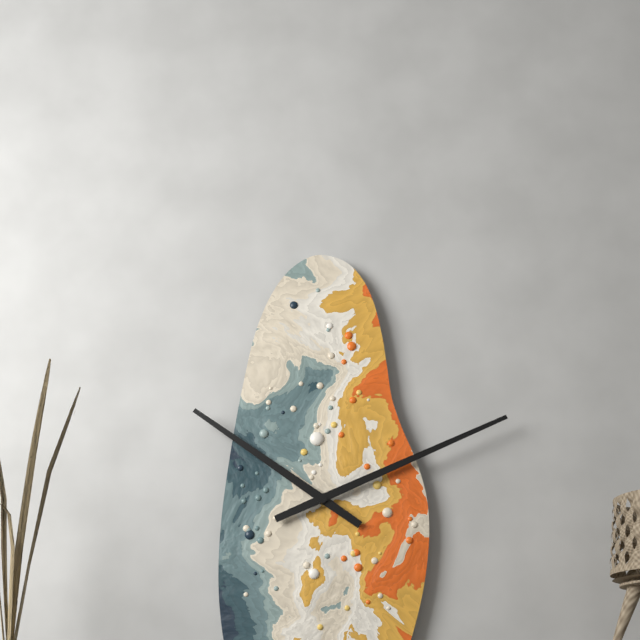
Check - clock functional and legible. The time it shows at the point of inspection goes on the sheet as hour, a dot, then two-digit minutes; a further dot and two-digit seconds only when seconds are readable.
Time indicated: 10.11
